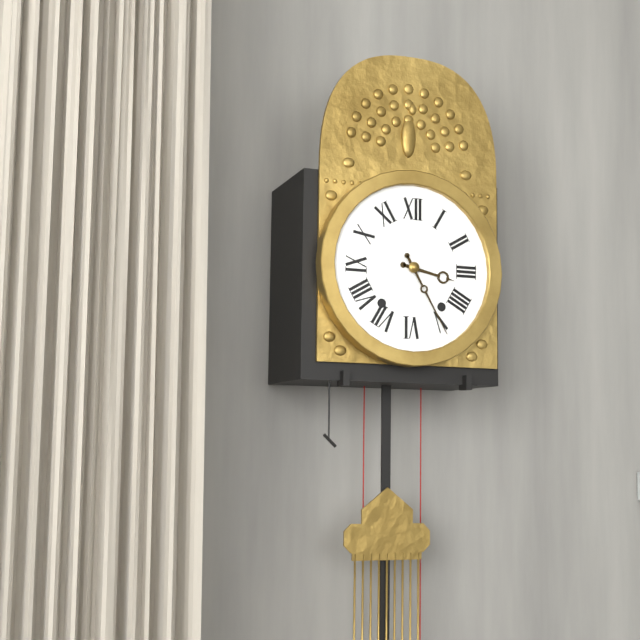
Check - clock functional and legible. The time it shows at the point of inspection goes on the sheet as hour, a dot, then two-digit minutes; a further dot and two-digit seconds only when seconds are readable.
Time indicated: 3.25
